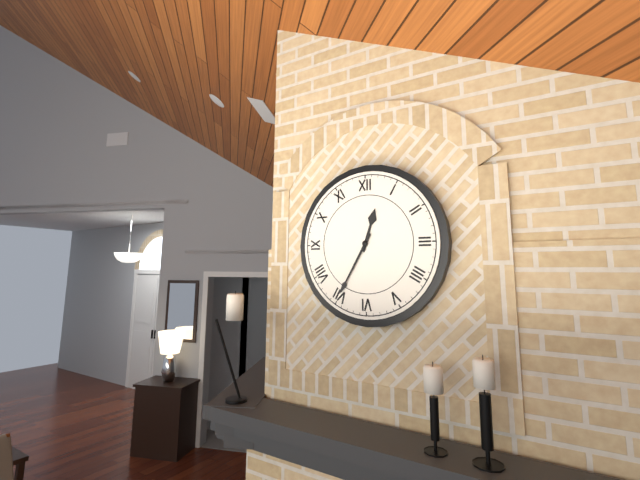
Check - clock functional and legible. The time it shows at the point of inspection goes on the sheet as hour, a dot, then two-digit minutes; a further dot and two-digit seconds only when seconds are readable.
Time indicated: 12.35
